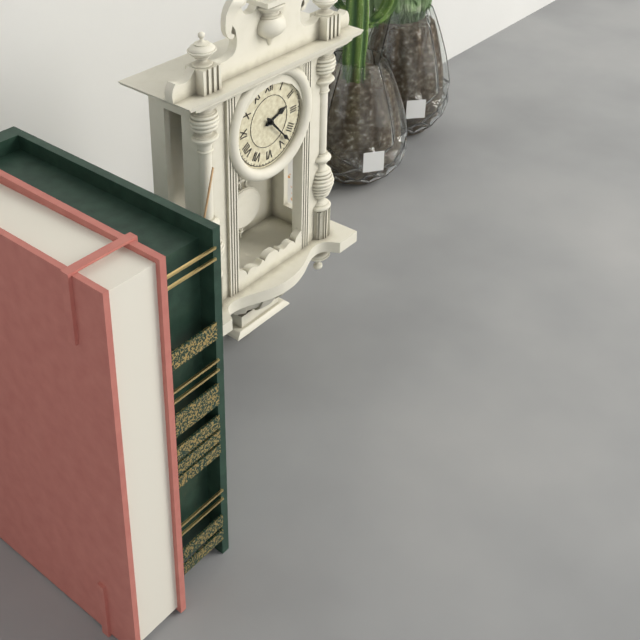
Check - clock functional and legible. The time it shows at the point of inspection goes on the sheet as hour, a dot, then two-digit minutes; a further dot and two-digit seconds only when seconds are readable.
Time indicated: 2.23
